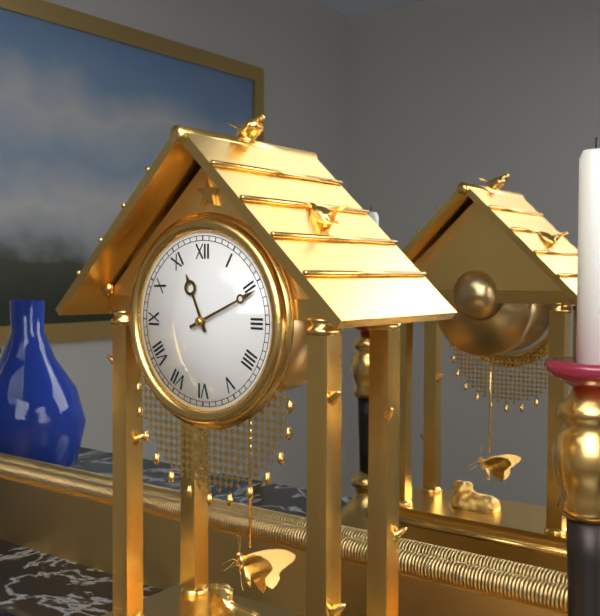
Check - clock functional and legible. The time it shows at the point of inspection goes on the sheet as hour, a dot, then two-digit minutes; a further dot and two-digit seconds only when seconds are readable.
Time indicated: 11.11
